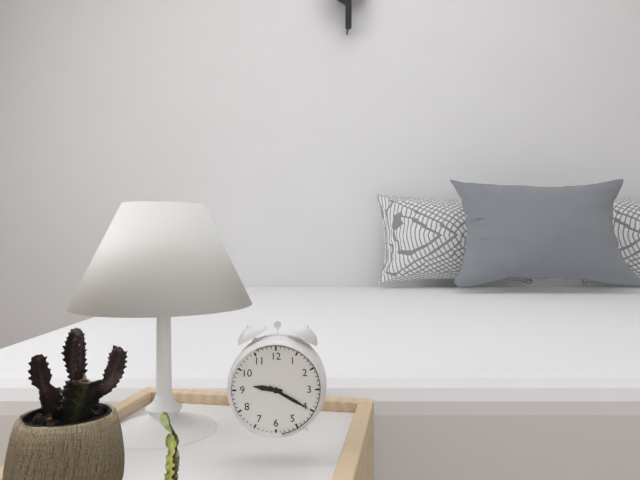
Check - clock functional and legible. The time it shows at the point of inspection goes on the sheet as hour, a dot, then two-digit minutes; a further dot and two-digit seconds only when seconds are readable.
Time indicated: 9.20
